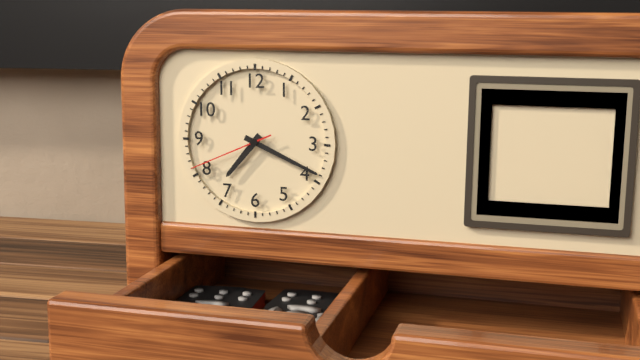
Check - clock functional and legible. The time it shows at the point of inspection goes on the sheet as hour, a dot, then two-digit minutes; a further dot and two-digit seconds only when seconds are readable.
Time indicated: 7.19.41
